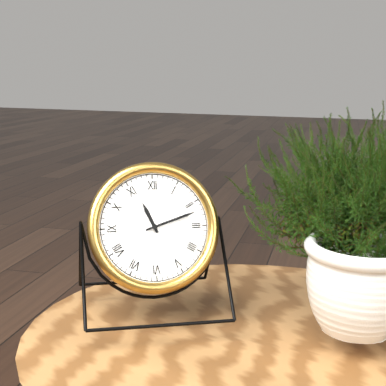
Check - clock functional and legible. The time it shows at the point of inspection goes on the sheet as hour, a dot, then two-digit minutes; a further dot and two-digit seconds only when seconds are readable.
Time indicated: 11.12
